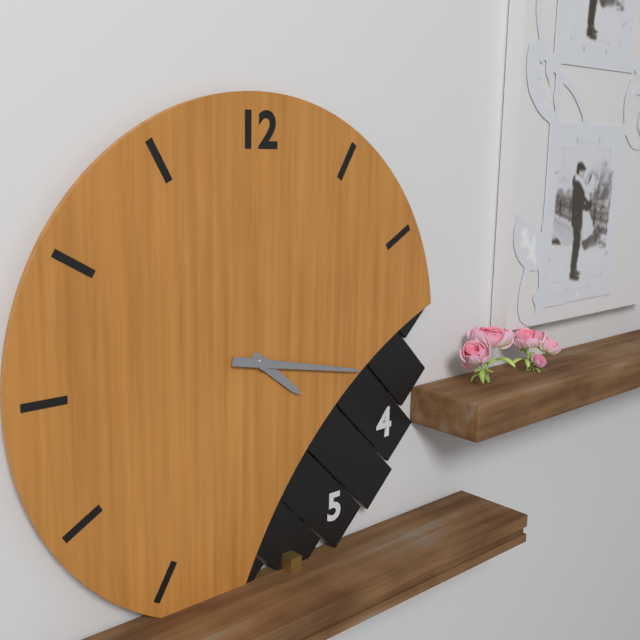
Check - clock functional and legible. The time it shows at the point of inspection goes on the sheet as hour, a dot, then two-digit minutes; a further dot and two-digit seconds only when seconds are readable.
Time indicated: 4.17
